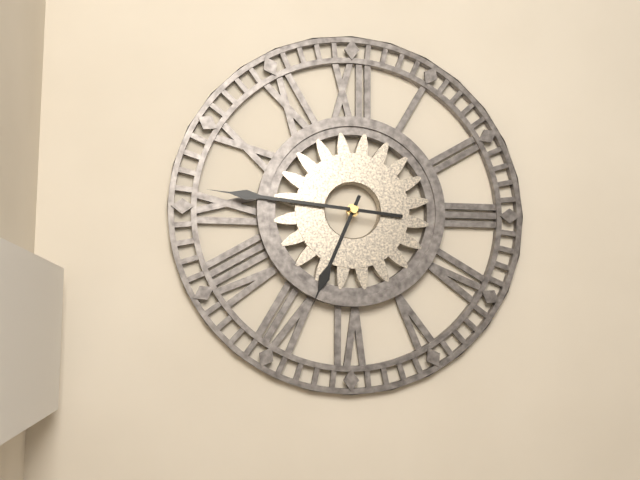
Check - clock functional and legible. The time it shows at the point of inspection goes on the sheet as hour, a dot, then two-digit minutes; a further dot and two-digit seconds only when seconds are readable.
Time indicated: 6.46
